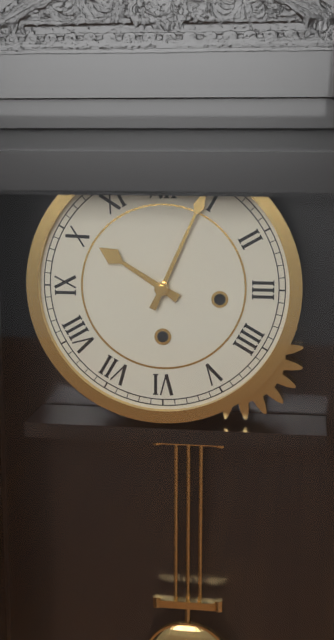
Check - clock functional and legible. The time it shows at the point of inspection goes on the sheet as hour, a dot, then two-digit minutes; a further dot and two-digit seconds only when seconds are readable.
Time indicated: 10.04
